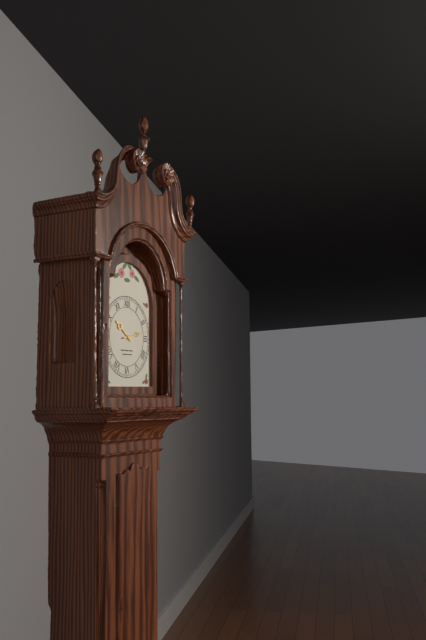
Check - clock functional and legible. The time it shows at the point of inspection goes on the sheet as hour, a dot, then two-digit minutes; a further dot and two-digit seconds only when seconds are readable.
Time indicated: 10.13
